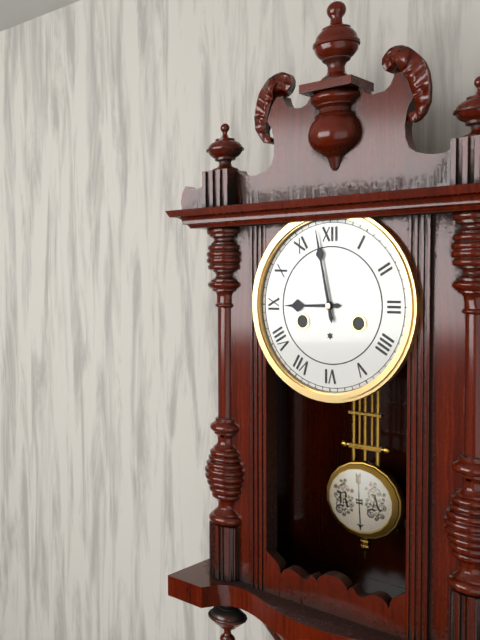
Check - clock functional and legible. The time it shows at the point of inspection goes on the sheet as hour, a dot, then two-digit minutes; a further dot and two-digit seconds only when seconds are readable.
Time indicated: 8.58
